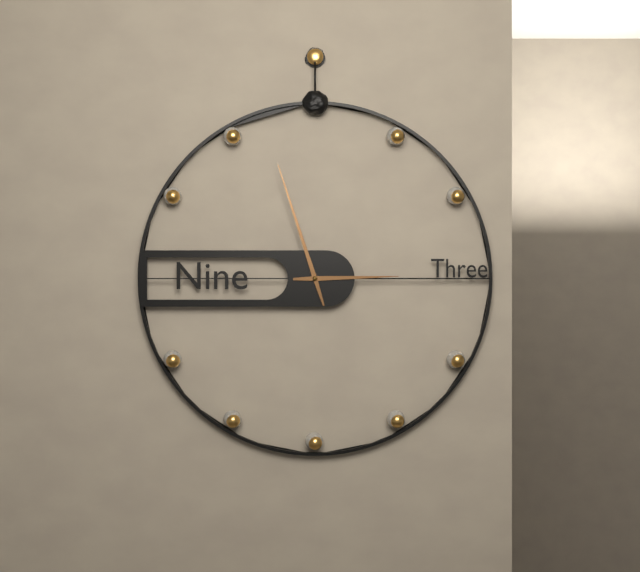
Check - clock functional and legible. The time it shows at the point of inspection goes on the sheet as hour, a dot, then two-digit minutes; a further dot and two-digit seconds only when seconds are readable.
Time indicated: 2.57
